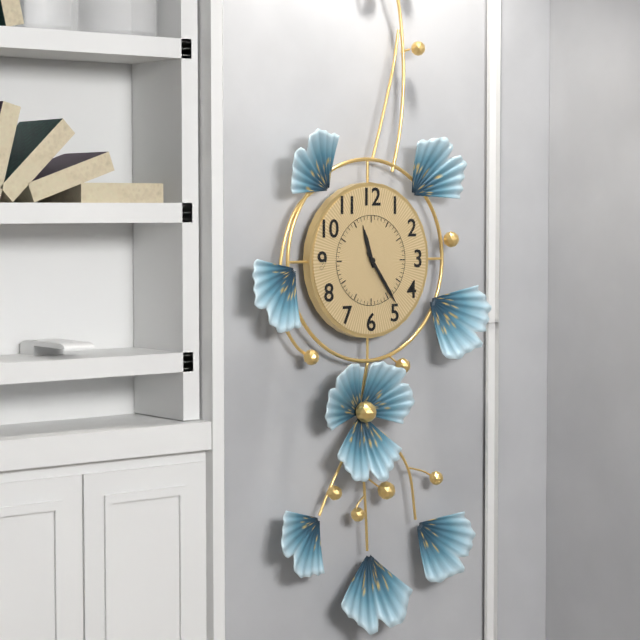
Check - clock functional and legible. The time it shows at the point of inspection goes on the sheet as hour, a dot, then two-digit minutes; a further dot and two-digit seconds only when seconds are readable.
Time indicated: 11.24
